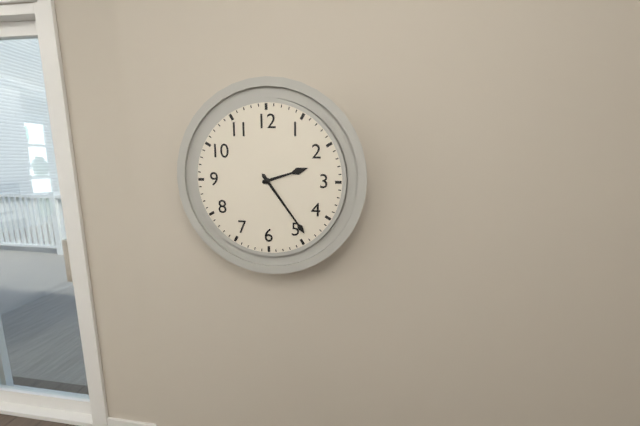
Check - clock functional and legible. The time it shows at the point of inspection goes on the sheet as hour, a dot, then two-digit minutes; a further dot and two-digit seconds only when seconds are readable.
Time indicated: 2.24
